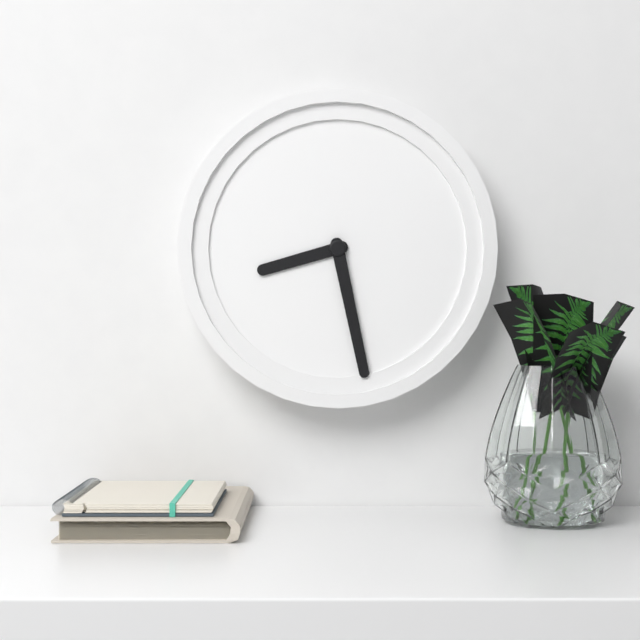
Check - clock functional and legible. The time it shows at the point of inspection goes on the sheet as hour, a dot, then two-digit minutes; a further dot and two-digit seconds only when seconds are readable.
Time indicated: 8.28
